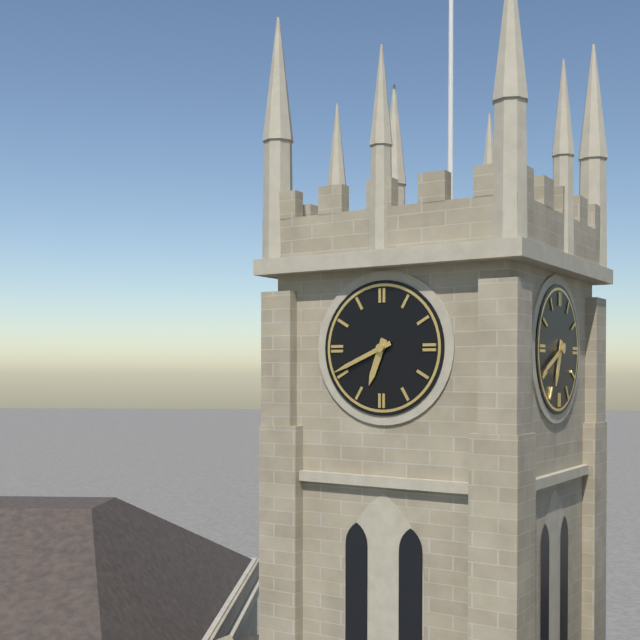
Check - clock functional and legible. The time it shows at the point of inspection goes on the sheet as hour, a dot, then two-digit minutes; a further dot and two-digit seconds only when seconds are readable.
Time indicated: 6.41
